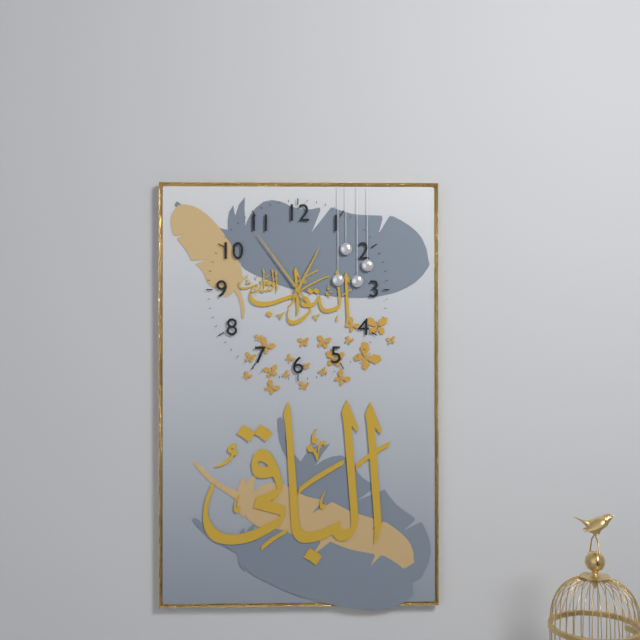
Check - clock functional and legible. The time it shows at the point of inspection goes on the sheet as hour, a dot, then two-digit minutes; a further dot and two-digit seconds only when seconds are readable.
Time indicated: 12.54
